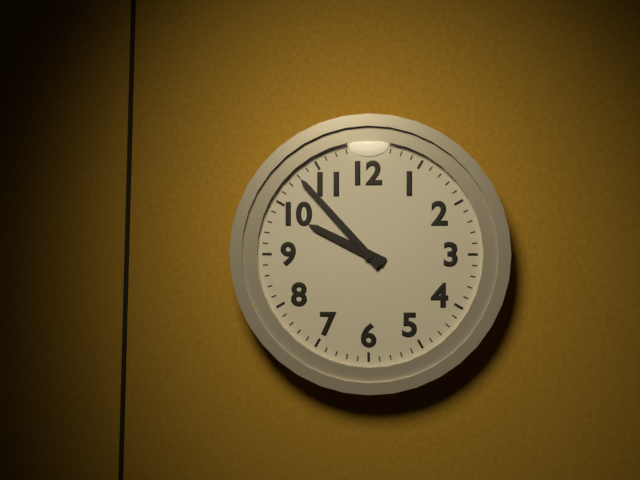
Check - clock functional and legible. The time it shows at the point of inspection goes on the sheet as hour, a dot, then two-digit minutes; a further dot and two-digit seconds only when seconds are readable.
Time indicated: 9.53
